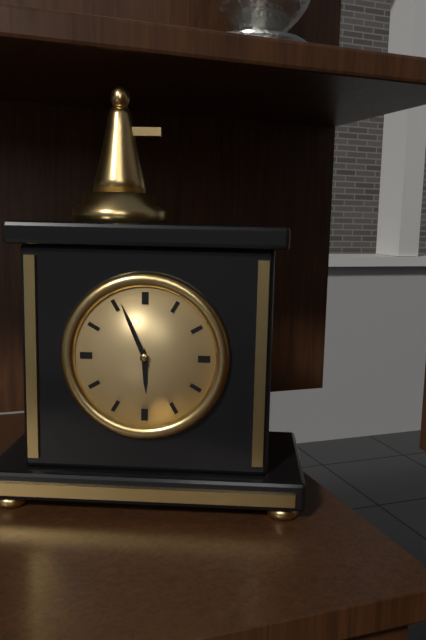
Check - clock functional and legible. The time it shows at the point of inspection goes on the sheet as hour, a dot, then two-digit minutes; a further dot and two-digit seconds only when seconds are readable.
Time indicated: 5.56
